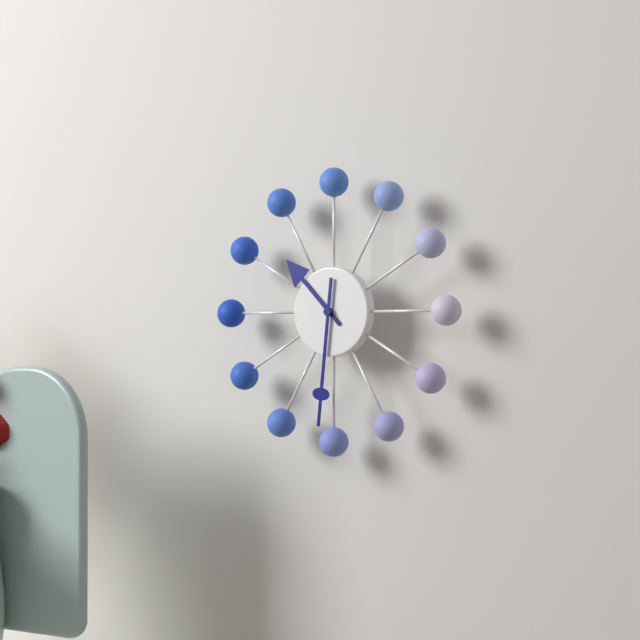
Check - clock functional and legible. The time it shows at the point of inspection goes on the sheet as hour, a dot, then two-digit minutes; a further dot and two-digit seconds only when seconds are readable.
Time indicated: 10.31
